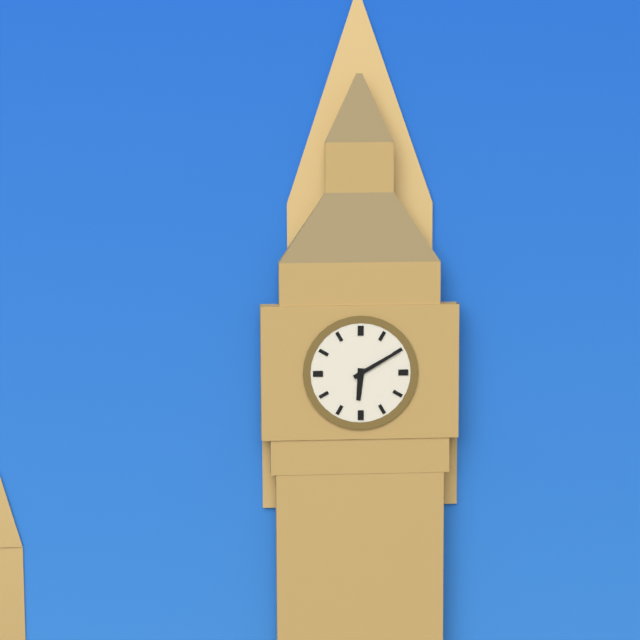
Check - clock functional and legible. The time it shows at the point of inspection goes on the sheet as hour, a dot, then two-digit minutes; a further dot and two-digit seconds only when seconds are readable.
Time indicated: 6.10
